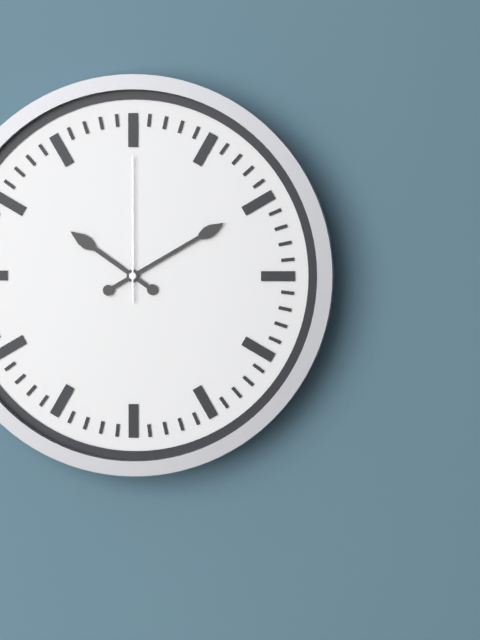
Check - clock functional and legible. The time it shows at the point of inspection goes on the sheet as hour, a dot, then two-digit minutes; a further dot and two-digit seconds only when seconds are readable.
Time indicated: 10.10.00
